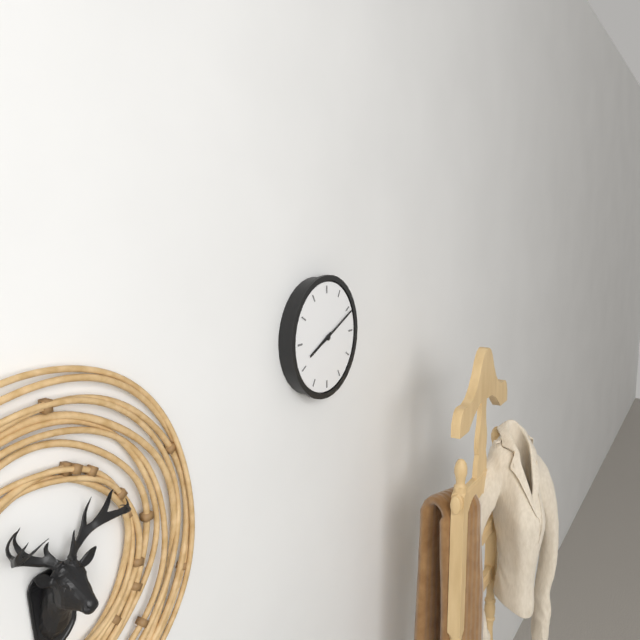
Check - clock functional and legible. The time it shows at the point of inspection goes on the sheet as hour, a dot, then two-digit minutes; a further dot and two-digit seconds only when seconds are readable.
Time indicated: 8.11
